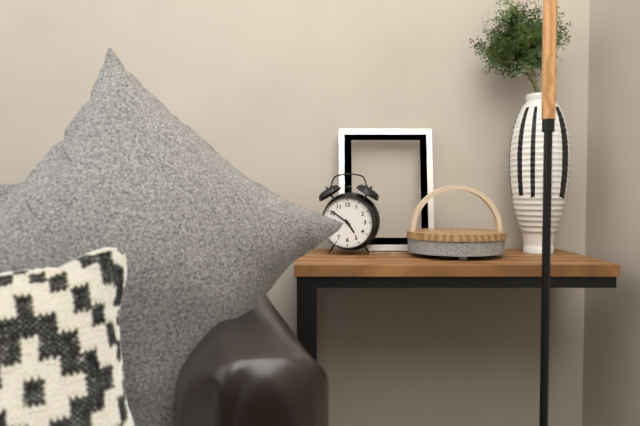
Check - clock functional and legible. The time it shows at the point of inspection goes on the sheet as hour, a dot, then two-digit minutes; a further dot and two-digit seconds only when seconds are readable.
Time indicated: 4.51
